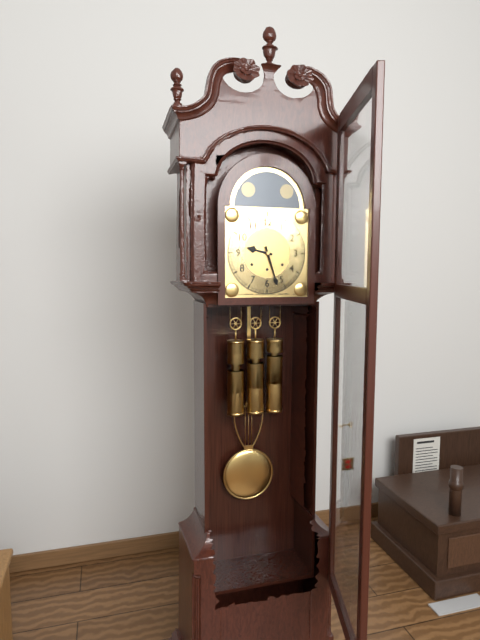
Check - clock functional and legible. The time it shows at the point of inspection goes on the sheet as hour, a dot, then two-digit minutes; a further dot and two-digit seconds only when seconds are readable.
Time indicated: 9.27
